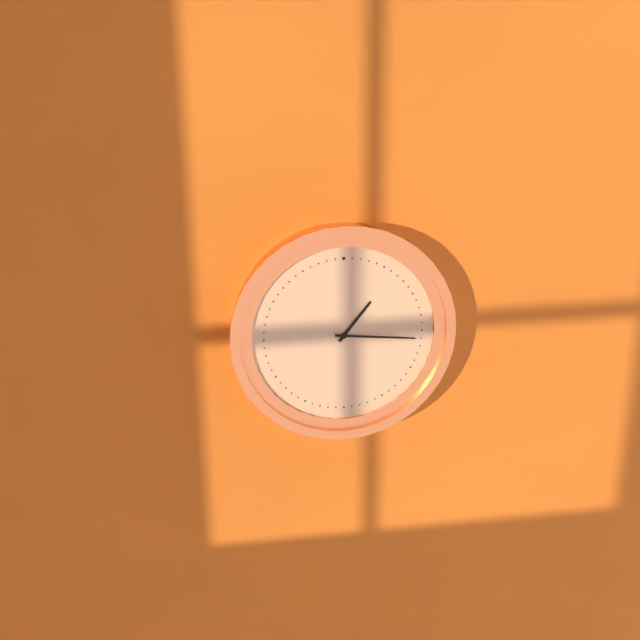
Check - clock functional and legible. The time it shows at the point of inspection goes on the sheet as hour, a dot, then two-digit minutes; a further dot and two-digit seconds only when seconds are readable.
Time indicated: 1.16
